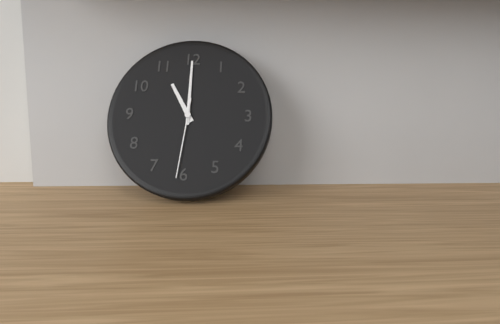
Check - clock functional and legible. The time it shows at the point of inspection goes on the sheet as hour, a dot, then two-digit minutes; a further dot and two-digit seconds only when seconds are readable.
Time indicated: 11.00.31
